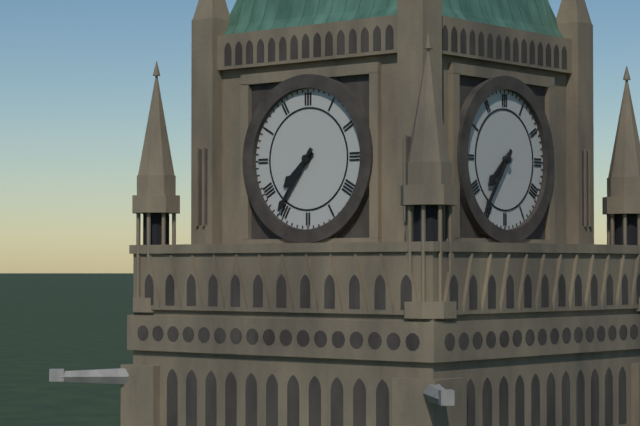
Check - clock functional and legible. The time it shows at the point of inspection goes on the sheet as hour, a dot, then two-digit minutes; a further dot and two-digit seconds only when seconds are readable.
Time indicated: 7.36
